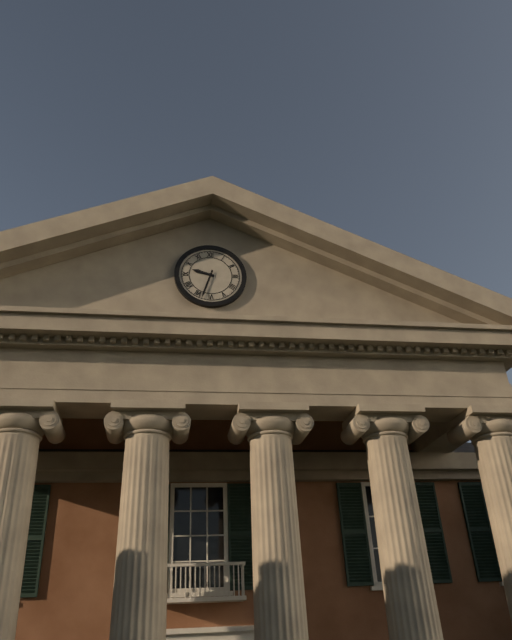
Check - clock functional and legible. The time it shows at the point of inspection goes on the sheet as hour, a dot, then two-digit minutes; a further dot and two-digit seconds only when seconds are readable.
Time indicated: 9.33
